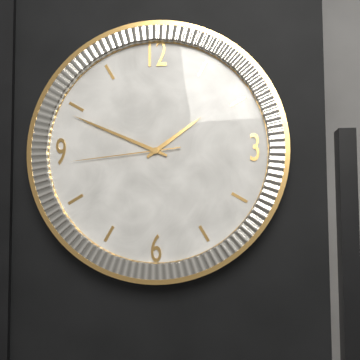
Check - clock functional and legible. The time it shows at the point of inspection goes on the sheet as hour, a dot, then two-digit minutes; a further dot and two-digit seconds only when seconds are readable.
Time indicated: 1.49.44
